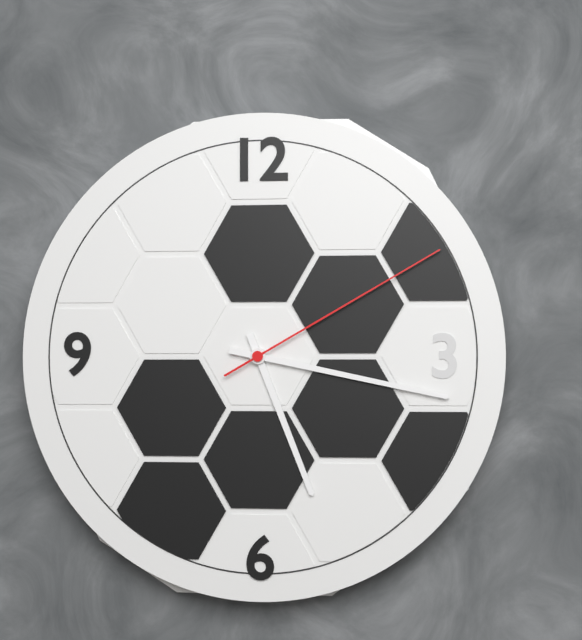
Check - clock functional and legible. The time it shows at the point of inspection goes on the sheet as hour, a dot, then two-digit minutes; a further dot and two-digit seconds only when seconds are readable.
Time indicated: 5.17.10
